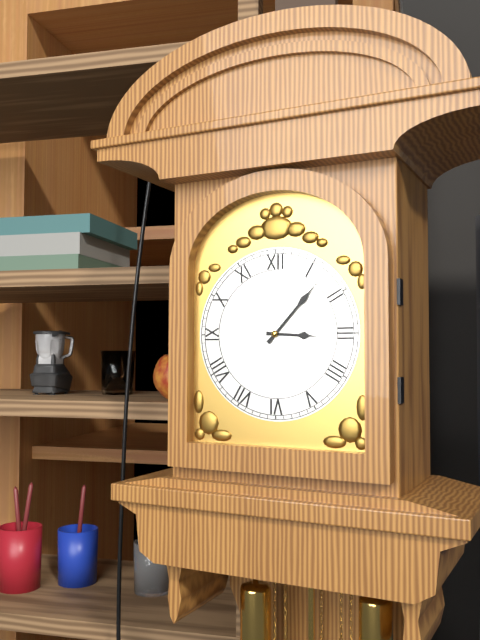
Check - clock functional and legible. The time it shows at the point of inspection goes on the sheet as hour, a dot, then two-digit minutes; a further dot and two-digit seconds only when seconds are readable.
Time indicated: 3.07
